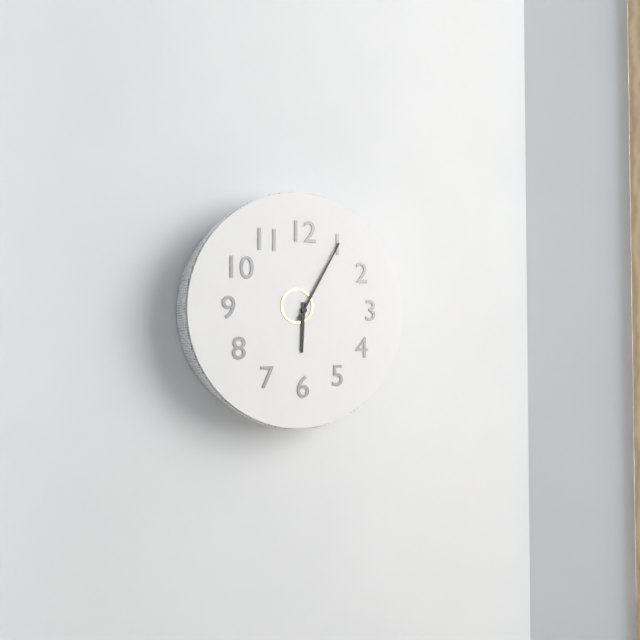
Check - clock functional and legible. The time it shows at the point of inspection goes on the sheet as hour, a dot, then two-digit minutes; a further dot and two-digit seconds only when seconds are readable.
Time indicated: 6.05
